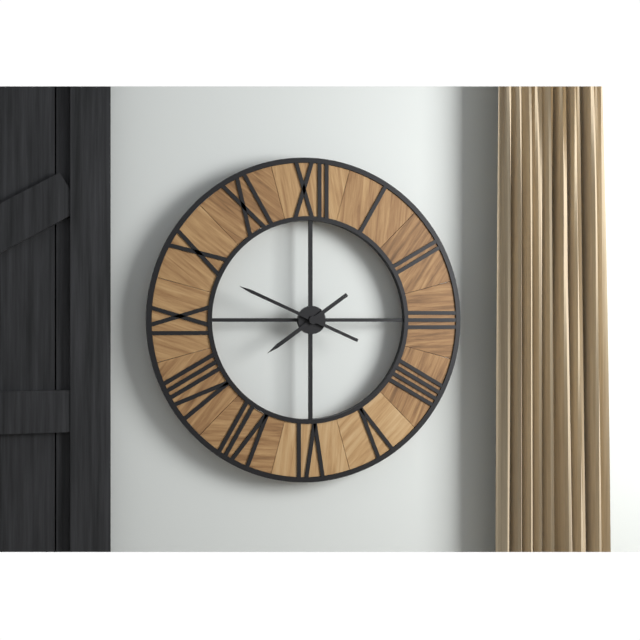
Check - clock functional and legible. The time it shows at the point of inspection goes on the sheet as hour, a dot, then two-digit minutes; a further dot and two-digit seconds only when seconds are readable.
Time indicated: 7.49
